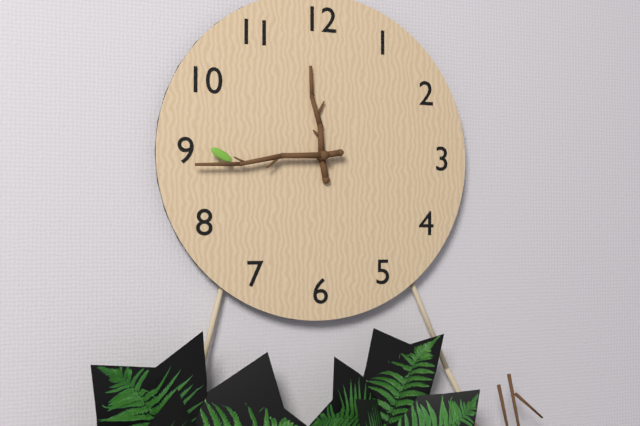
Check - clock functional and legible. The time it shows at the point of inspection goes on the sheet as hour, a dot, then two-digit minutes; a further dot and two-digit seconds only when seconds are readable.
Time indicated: 11.44
